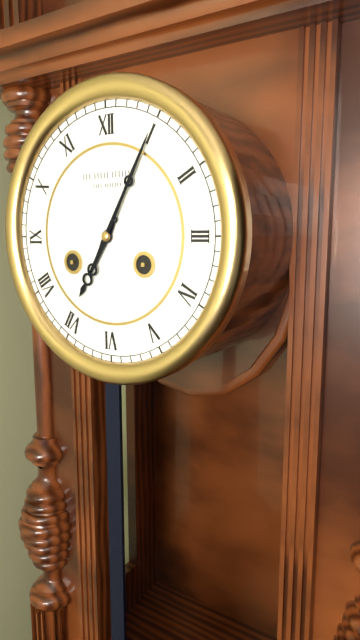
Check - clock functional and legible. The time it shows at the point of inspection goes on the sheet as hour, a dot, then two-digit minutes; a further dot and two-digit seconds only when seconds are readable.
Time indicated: 7.05
